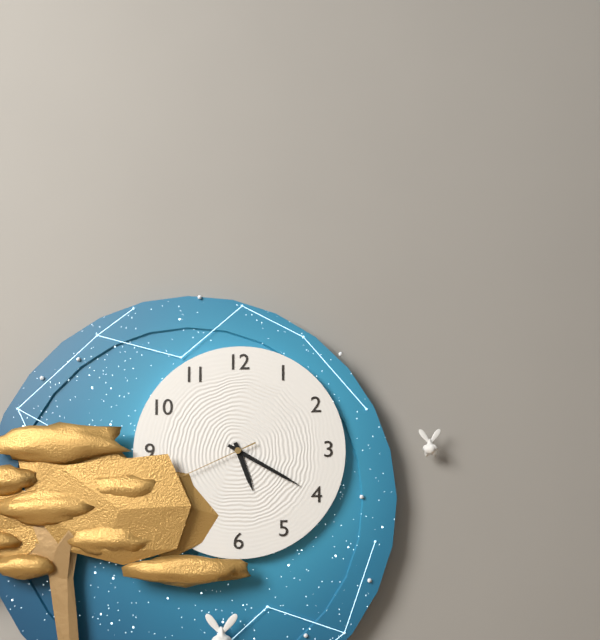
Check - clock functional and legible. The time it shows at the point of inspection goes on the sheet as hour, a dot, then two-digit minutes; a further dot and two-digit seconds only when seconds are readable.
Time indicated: 5.20.41
